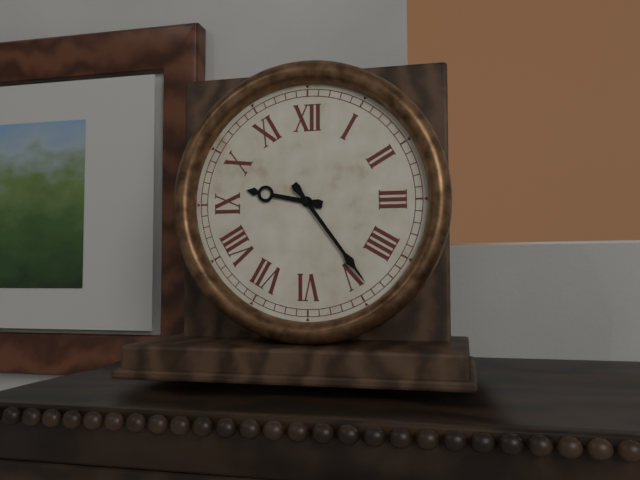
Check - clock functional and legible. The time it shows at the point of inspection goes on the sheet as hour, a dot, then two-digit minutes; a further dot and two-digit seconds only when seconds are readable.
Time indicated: 9.24
